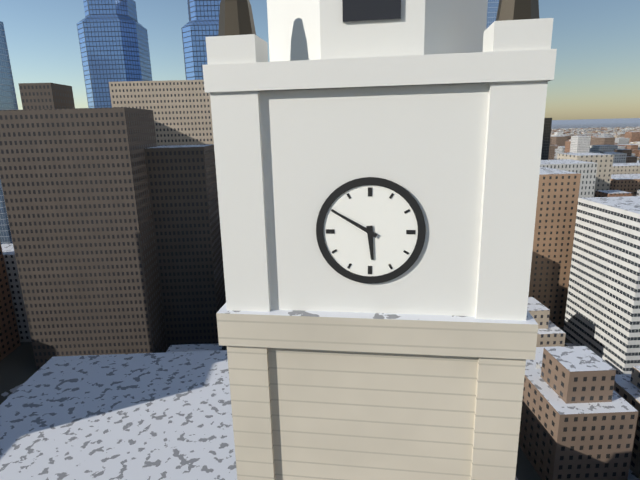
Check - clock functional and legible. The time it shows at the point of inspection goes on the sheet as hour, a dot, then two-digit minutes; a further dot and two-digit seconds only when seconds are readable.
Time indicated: 5.50
